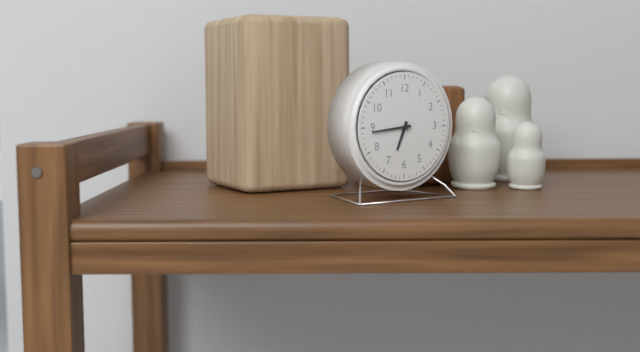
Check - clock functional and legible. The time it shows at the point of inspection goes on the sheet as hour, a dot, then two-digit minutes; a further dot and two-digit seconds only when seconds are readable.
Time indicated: 6.44
